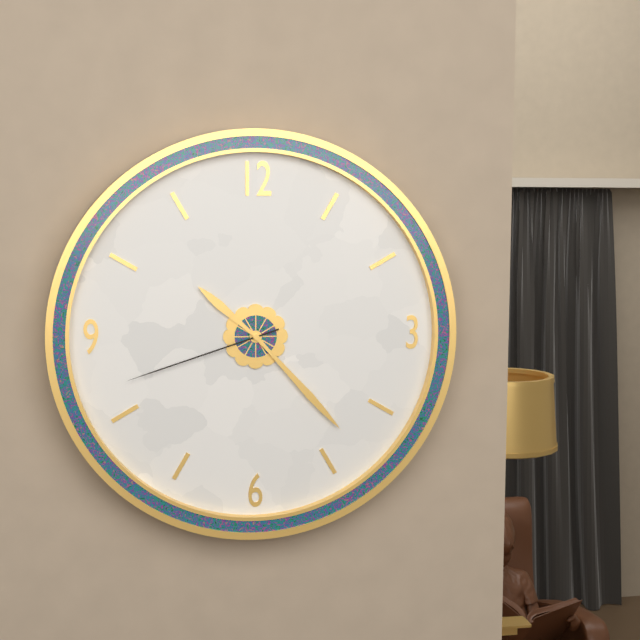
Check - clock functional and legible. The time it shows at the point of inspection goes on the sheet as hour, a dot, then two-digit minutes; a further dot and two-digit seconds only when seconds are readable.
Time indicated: 10.23.42
